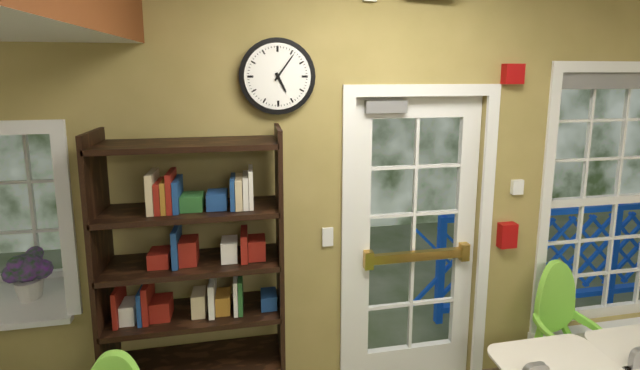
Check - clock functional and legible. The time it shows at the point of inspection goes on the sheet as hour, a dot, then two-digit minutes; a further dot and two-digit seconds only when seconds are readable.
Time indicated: 5.06
